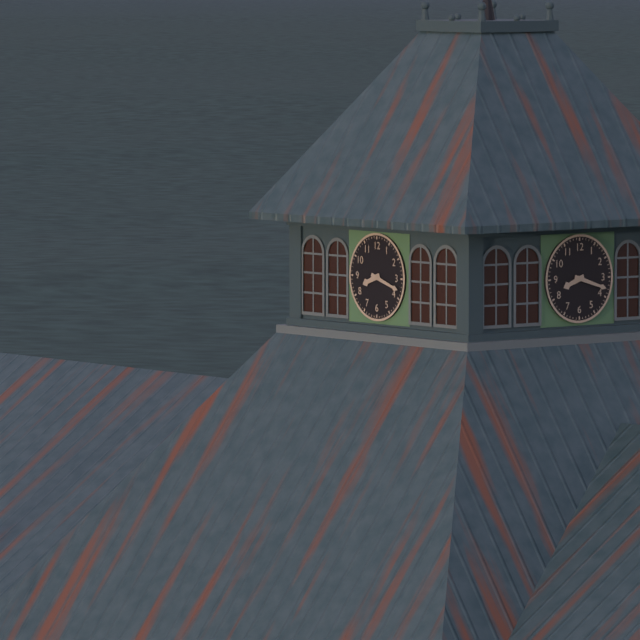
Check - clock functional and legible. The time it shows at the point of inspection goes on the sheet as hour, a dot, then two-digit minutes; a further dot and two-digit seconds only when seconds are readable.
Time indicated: 8.18
